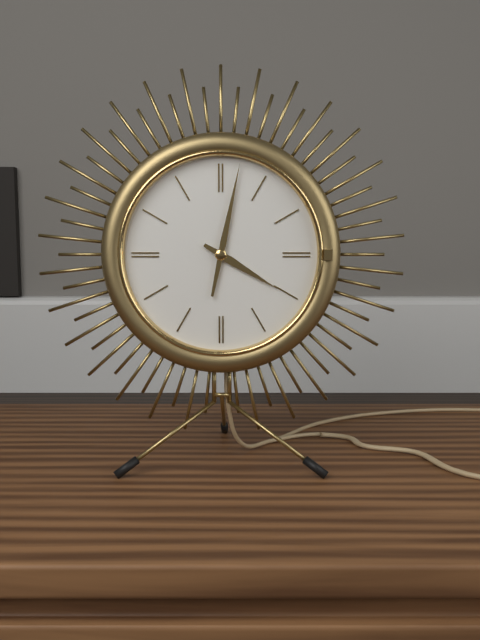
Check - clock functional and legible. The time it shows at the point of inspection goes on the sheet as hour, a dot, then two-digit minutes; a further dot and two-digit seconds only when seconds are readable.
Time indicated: 4.02
